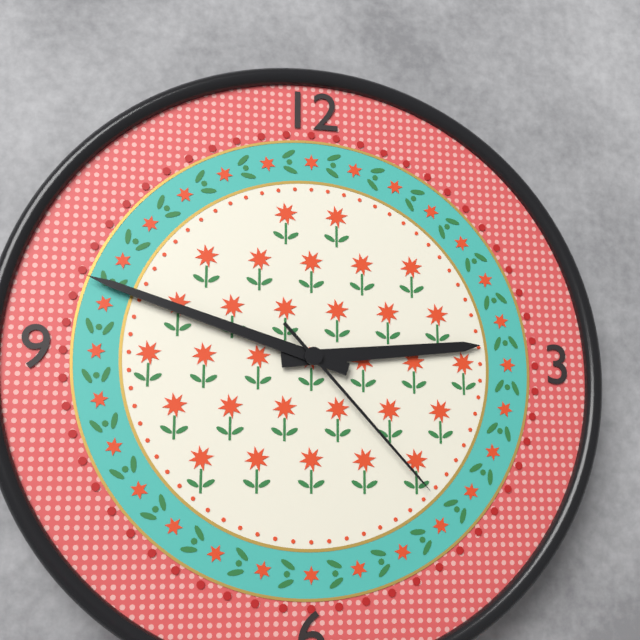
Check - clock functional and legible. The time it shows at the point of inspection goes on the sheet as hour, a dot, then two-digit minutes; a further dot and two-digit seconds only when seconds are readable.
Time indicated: 2.48.23
